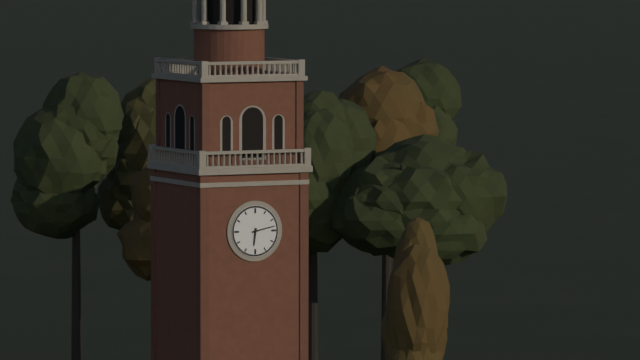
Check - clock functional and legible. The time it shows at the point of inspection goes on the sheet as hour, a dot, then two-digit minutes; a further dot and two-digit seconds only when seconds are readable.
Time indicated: 6.13
